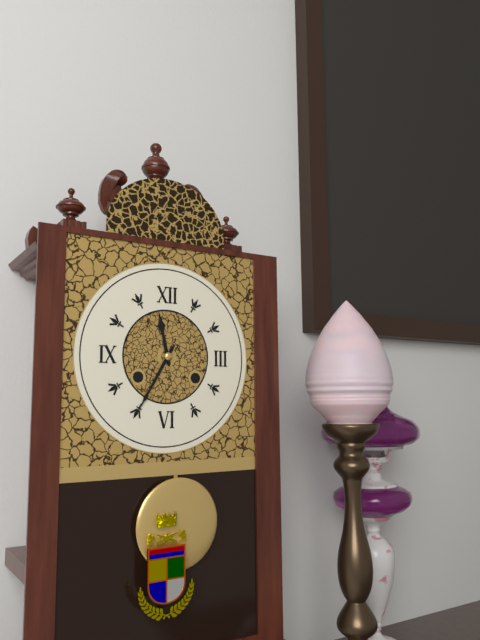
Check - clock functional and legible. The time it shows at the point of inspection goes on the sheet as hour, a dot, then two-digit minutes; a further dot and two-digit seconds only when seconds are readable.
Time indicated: 11.35
